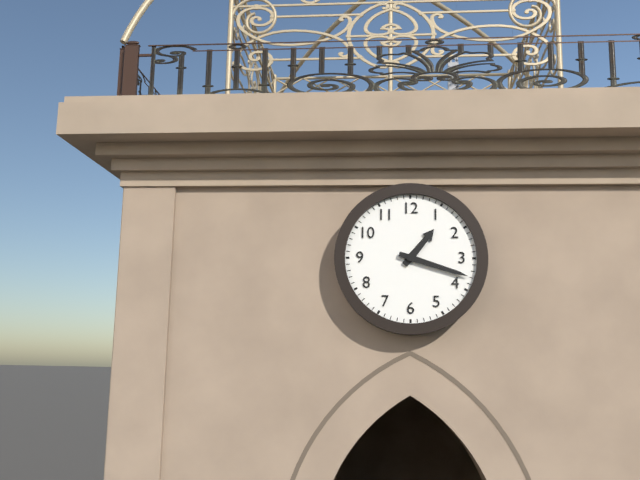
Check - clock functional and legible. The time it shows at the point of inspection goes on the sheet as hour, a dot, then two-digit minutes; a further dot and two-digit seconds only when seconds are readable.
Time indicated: 1.18
